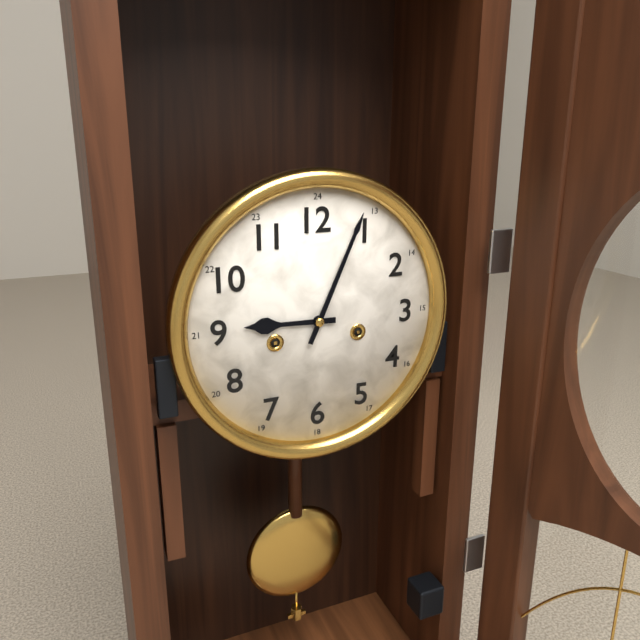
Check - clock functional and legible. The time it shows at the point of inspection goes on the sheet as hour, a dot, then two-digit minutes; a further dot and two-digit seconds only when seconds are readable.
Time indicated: 9.04
